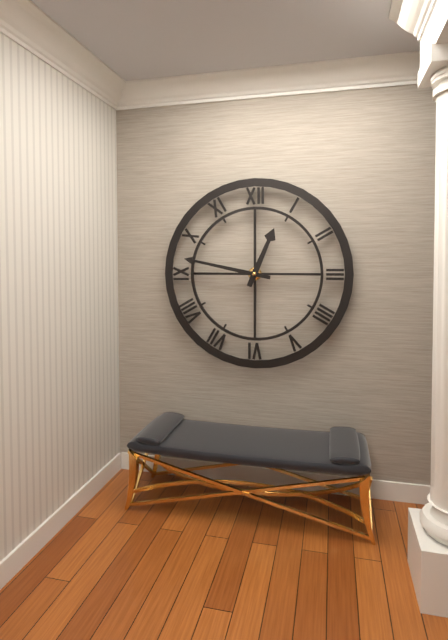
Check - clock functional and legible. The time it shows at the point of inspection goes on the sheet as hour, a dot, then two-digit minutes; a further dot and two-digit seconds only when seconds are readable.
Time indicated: 12.47
